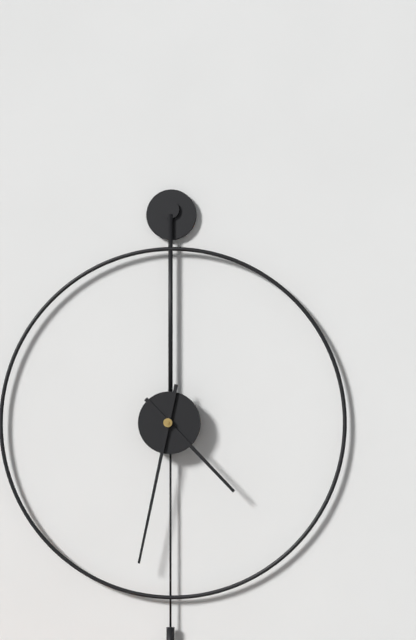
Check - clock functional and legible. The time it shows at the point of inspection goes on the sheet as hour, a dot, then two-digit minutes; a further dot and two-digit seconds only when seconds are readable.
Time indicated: 4.32
